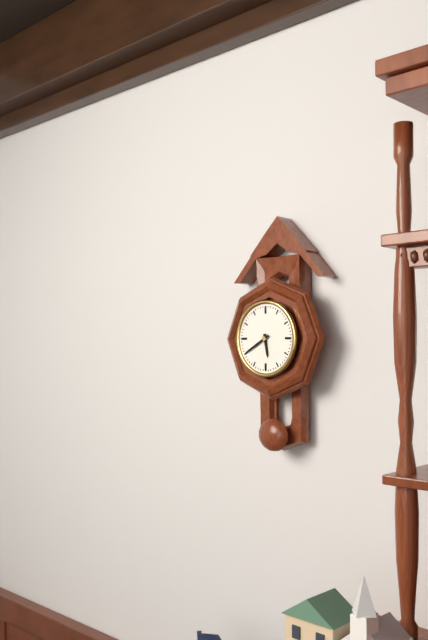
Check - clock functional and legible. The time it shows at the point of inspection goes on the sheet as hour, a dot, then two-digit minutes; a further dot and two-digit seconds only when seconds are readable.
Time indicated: 5.40
